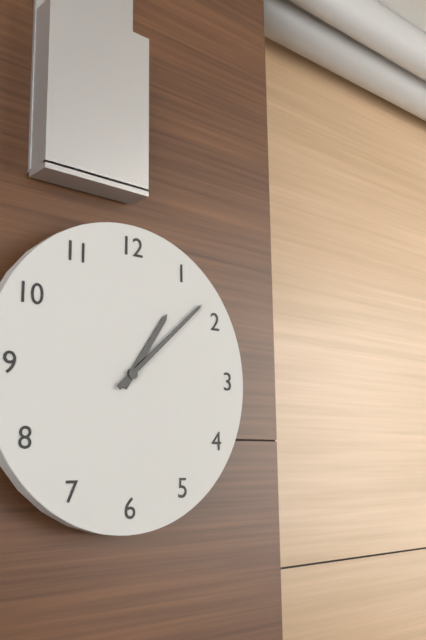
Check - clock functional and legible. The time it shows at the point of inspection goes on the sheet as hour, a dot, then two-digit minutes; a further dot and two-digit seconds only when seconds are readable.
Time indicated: 1.08
